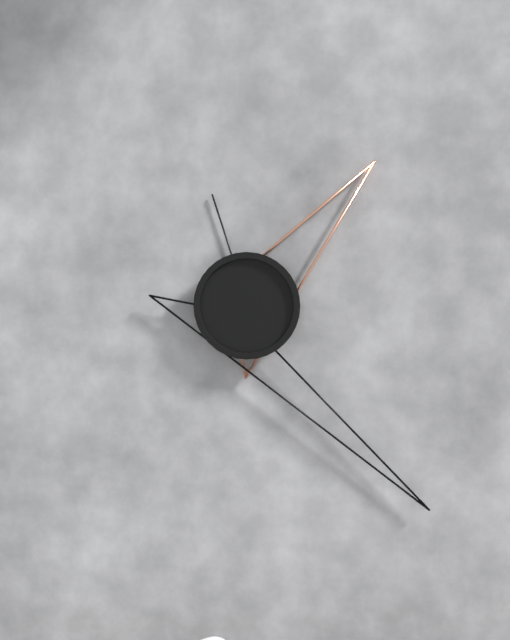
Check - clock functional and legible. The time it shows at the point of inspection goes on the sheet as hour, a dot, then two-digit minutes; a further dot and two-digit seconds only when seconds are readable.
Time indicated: 1.23.57
